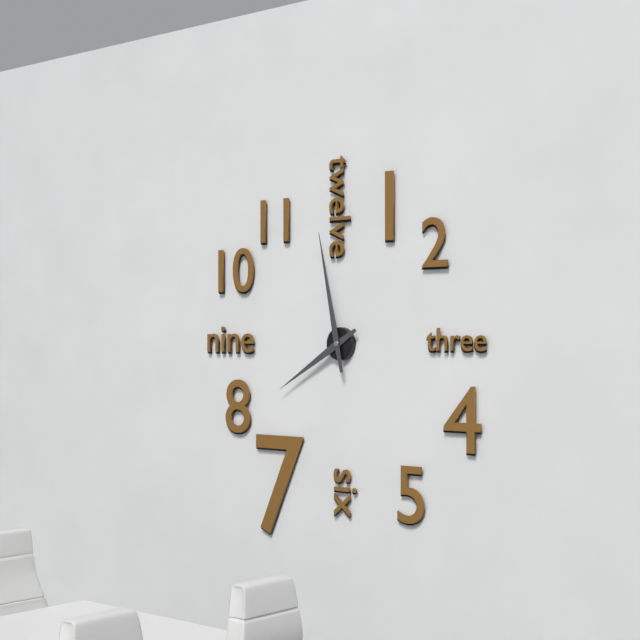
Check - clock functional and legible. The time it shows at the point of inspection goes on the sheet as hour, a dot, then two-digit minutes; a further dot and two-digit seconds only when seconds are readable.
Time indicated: 7.58
